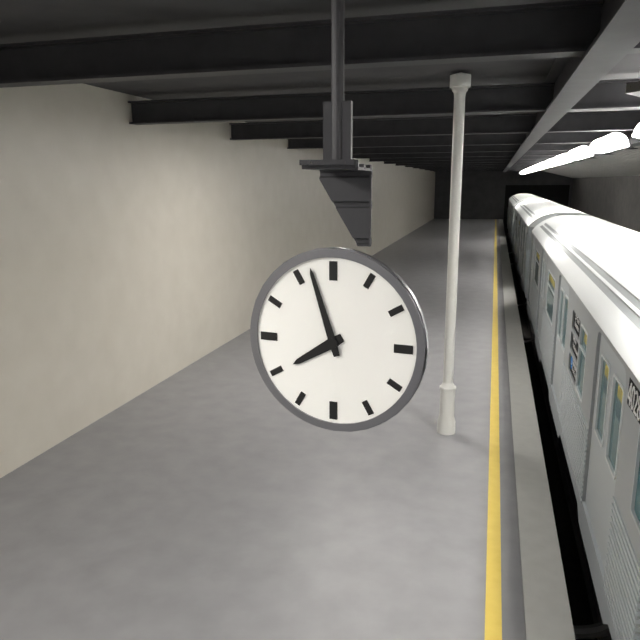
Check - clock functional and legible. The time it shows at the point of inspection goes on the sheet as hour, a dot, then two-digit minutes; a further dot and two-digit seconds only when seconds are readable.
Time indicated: 7.57
